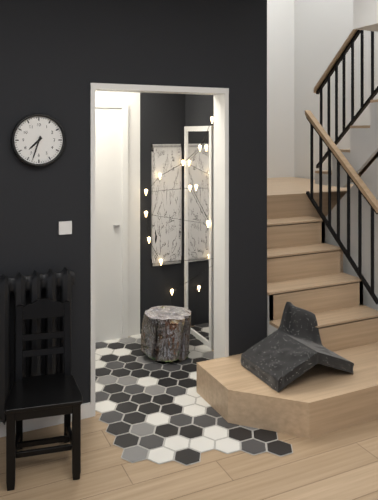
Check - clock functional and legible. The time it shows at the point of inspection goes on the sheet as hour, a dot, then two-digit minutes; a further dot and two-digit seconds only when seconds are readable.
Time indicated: 7.33
